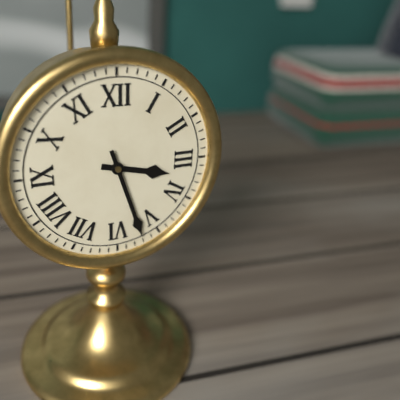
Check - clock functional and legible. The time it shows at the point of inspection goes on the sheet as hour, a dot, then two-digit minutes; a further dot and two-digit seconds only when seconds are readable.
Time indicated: 3.27
